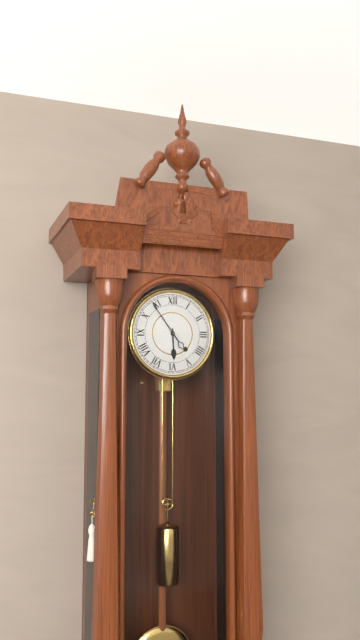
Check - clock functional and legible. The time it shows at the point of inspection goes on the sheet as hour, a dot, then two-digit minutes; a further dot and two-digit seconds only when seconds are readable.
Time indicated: 5.54
